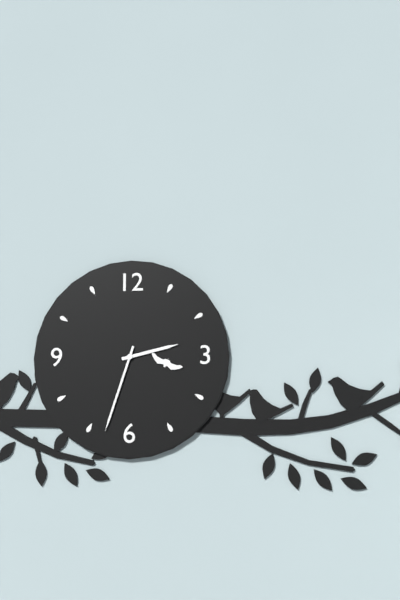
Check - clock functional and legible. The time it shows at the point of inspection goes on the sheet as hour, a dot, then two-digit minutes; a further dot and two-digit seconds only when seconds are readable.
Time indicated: 2.33
